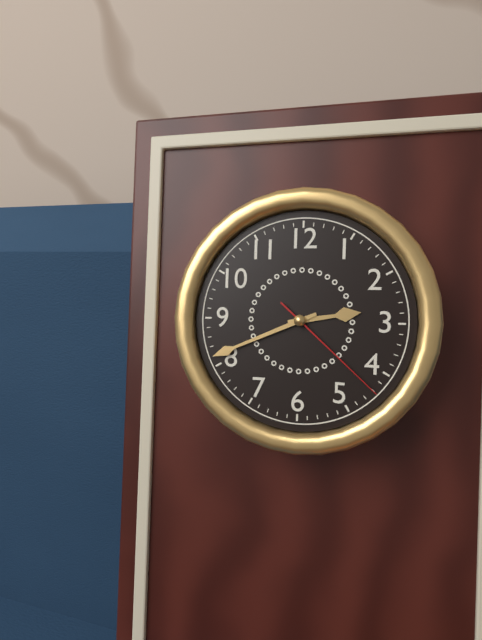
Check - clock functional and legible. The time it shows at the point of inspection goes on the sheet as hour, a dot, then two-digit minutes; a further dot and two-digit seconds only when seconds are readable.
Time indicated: 2.41.22
